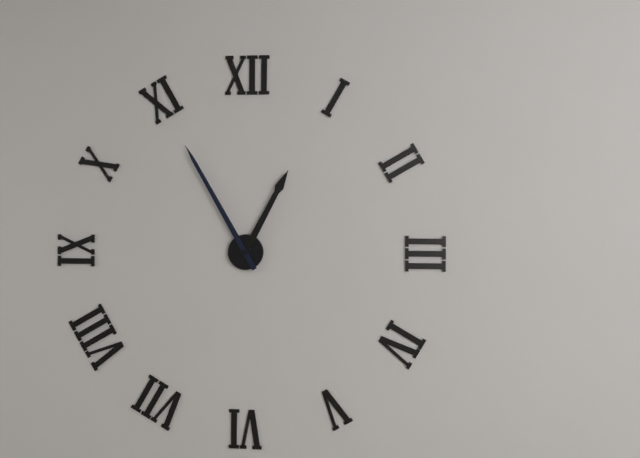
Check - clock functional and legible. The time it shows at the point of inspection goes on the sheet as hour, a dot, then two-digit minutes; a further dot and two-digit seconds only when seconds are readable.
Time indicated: 12.55
